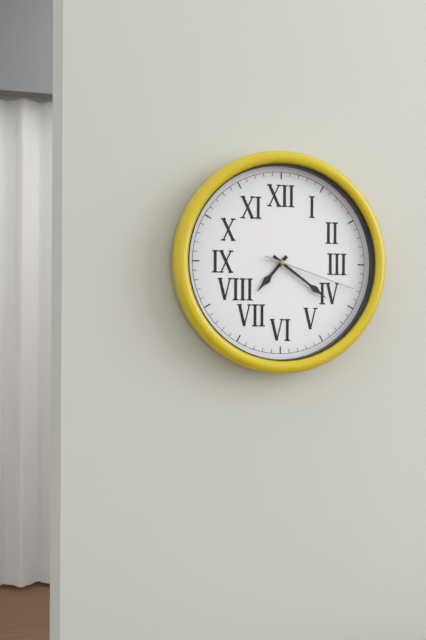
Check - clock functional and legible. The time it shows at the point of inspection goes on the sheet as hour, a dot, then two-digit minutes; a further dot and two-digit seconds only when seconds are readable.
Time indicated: 7.21.18
